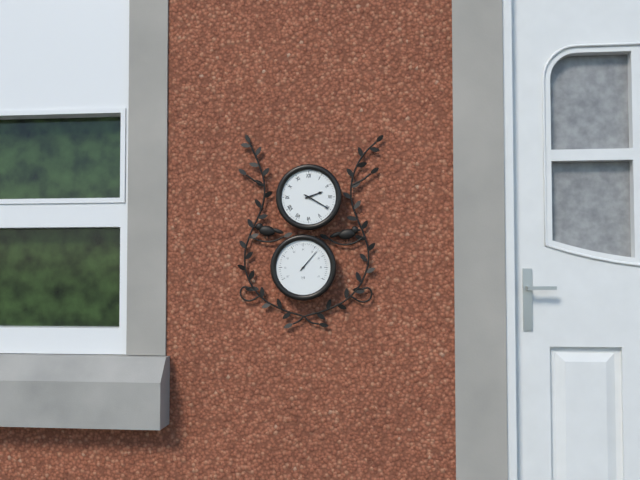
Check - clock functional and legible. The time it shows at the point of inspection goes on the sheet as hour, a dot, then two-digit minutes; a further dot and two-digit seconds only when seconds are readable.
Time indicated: 2.20
